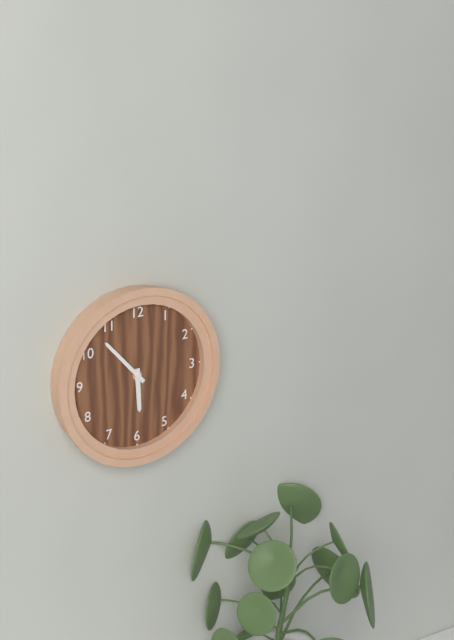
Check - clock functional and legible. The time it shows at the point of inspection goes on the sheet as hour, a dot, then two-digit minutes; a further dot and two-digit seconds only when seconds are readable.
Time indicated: 5.53
